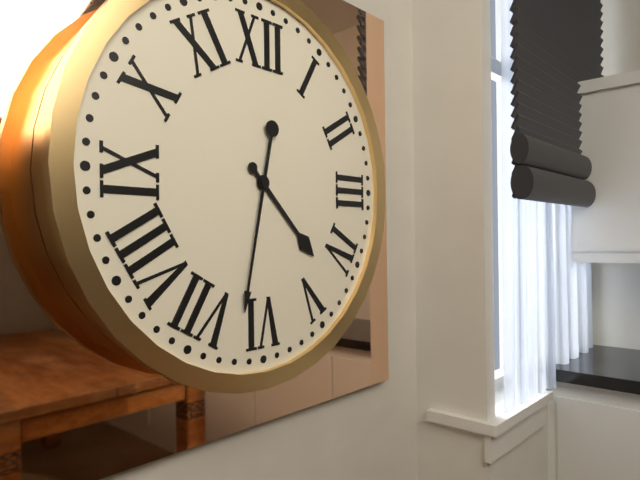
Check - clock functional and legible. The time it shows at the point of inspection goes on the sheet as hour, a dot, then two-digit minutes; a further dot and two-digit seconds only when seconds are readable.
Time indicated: 4.32
